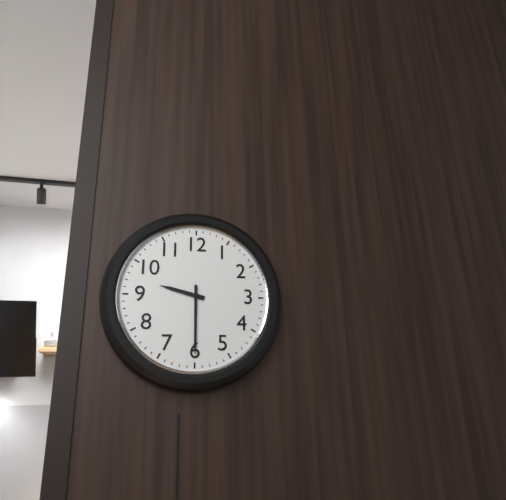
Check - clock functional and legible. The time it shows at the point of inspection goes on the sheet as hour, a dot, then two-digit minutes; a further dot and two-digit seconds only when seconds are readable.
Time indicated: 9.30
